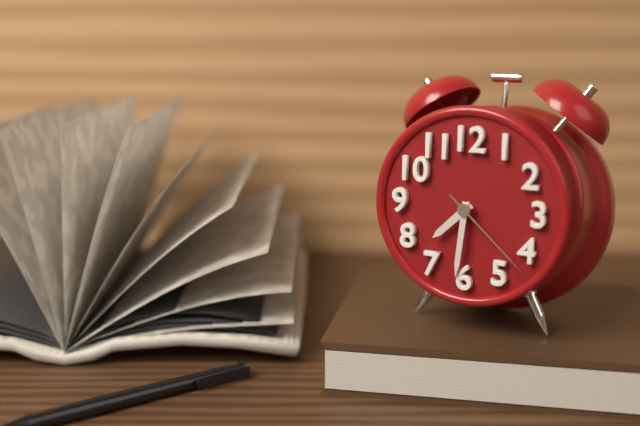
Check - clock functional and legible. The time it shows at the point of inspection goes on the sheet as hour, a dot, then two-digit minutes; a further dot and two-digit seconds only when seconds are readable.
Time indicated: 7.31.22
